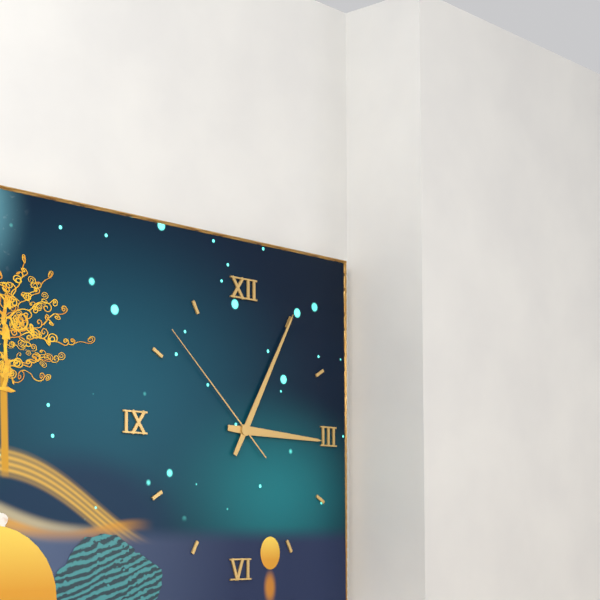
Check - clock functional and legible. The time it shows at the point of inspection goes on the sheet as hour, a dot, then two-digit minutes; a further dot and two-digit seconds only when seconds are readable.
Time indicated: 3.05.52
